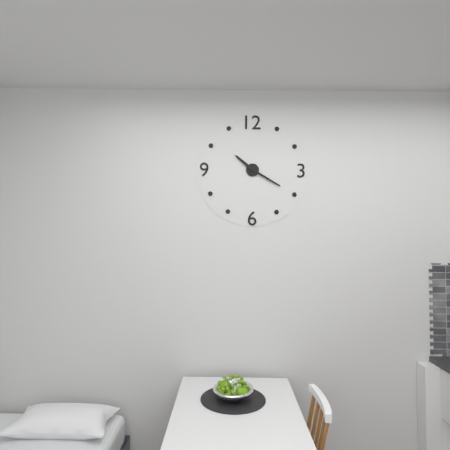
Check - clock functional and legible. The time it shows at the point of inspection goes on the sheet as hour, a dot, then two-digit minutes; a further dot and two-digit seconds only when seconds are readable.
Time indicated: 10.20
